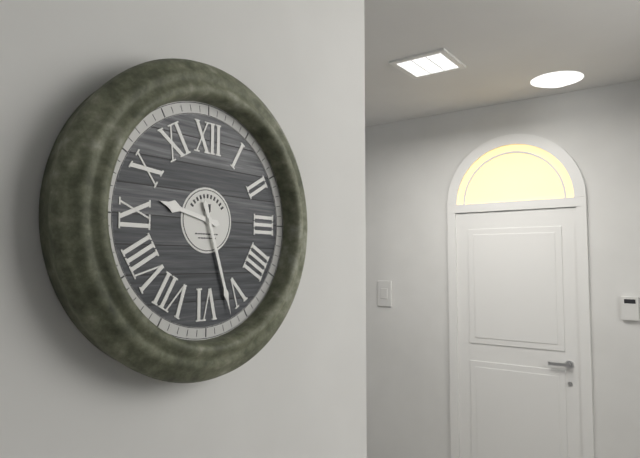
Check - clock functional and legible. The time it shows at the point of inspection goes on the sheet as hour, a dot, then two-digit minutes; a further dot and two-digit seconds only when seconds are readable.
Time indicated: 9.27
